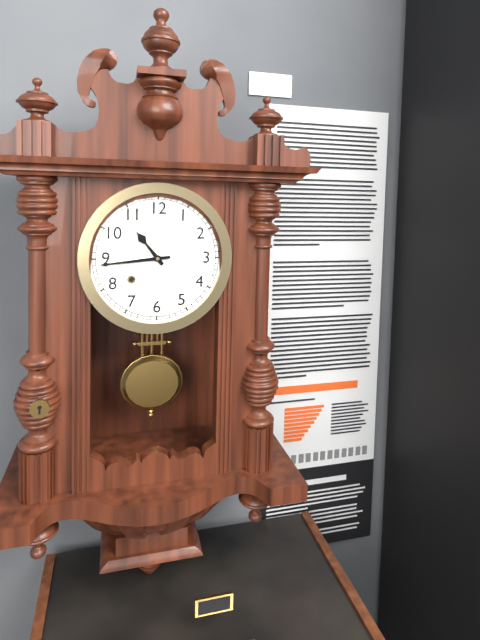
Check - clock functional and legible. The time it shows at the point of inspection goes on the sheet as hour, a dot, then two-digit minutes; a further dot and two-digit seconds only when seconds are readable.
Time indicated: 10.44
